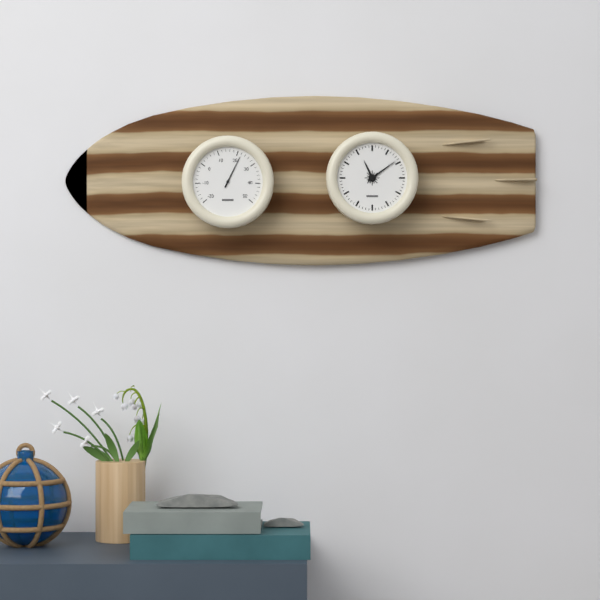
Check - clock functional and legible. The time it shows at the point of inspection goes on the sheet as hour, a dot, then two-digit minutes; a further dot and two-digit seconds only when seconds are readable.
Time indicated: 11.09
